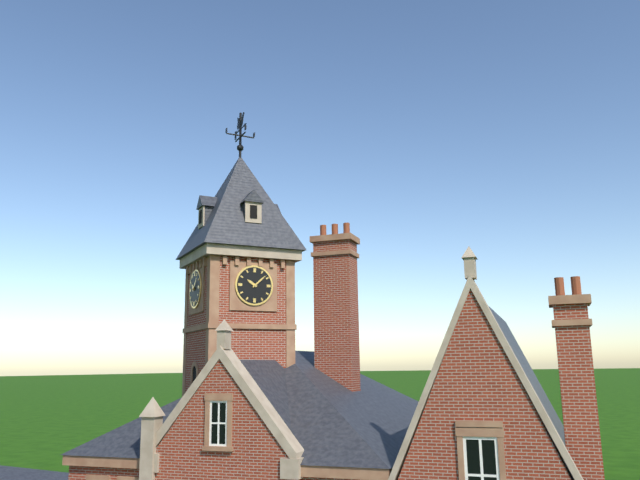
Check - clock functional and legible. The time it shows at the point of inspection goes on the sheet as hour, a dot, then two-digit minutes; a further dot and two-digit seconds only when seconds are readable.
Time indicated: 10.08
